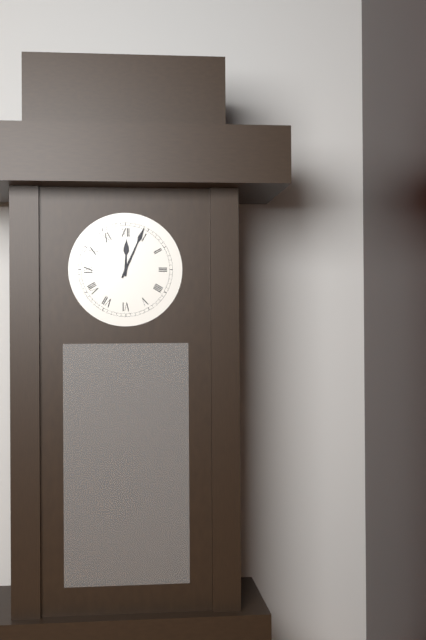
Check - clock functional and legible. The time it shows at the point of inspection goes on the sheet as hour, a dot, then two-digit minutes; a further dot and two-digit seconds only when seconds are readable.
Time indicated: 12.04
